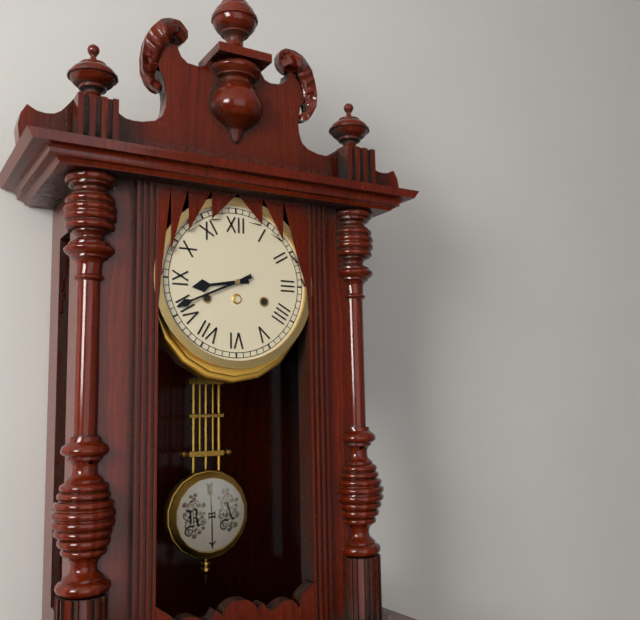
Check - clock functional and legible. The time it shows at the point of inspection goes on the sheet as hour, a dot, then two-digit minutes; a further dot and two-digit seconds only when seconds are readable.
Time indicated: 8.41
